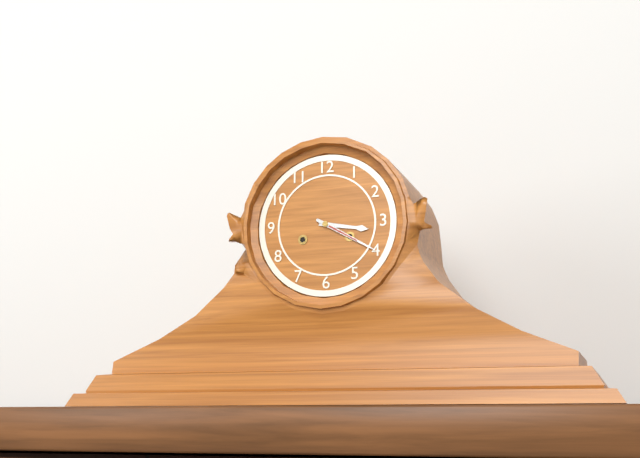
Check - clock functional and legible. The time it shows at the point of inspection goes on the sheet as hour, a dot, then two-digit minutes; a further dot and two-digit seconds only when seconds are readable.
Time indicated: 3.20
